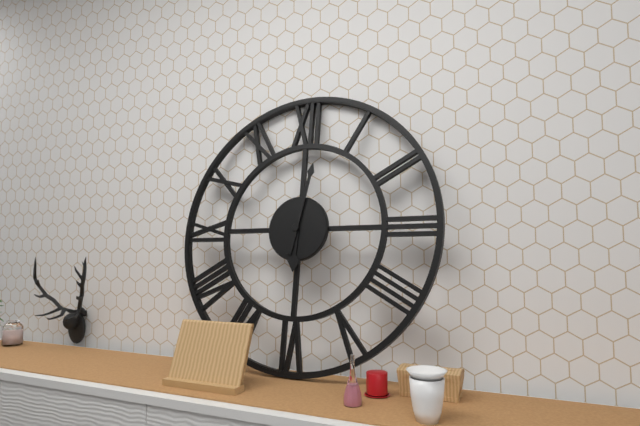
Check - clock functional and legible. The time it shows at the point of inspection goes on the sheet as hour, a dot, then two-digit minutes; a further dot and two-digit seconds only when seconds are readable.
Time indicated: 6.02
